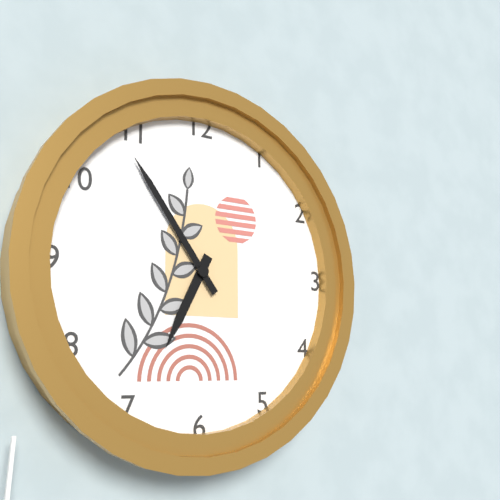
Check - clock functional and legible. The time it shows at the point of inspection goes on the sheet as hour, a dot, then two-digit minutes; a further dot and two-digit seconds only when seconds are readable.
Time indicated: 6.54
